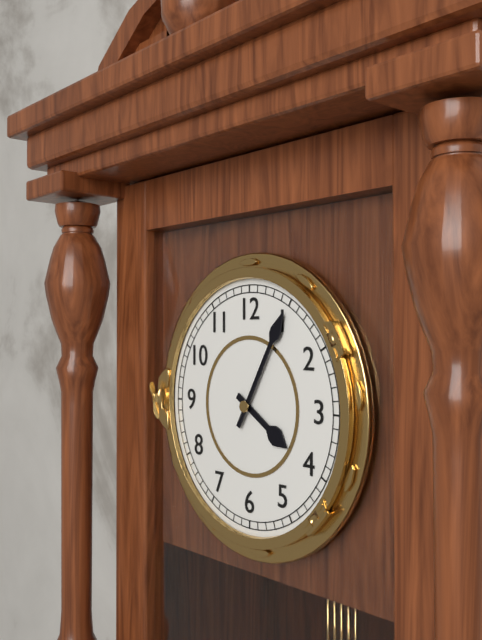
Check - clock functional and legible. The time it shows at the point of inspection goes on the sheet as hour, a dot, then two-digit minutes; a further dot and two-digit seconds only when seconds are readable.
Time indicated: 4.05
